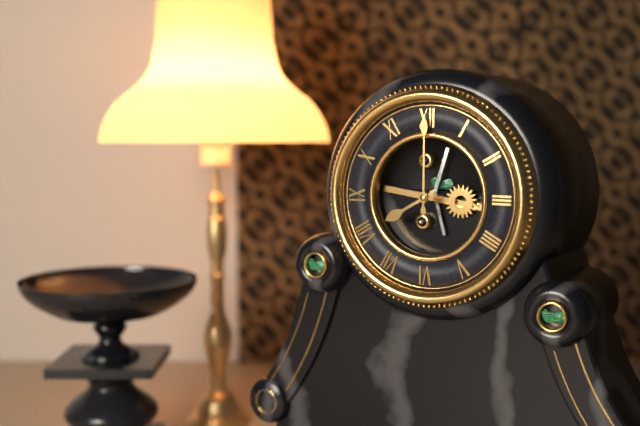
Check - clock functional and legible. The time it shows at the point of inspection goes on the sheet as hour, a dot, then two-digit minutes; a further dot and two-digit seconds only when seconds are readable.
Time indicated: 8.00
